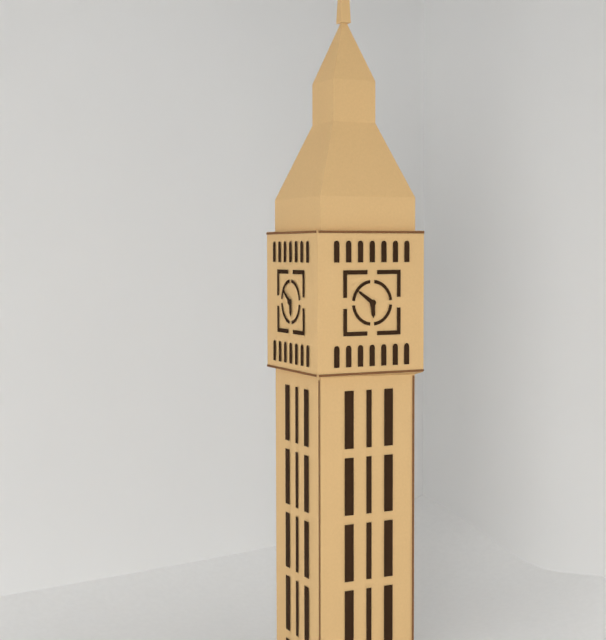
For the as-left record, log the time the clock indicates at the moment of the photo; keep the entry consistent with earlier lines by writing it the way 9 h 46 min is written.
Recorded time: 5 h 51 min
